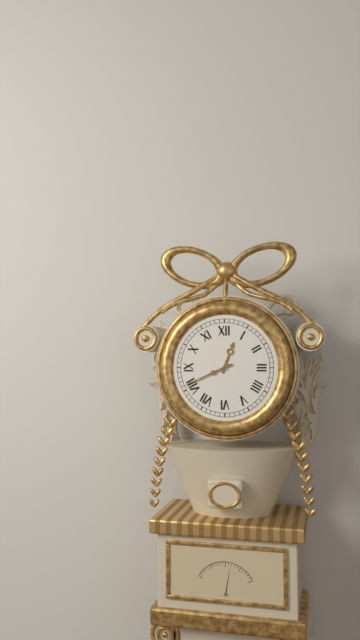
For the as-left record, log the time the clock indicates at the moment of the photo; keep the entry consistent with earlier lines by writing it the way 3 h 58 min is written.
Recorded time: 12 h 41 min
